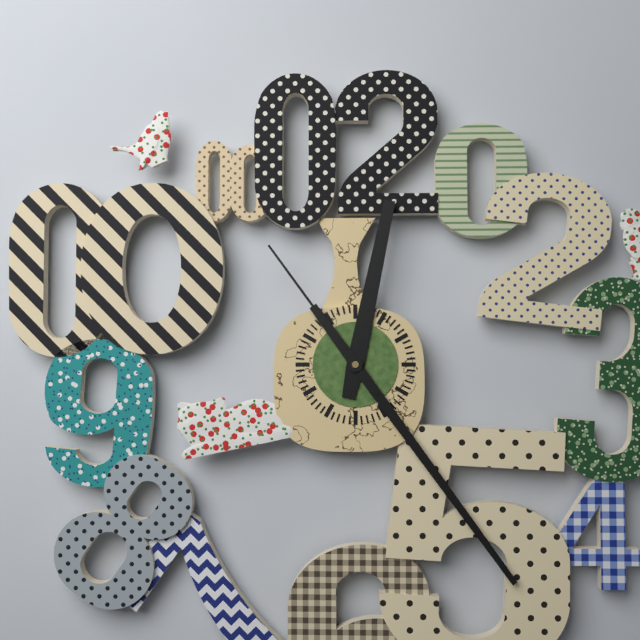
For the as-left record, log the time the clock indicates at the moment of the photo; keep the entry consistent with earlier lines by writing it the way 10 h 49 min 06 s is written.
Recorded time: 12 h 24 min 54 s
